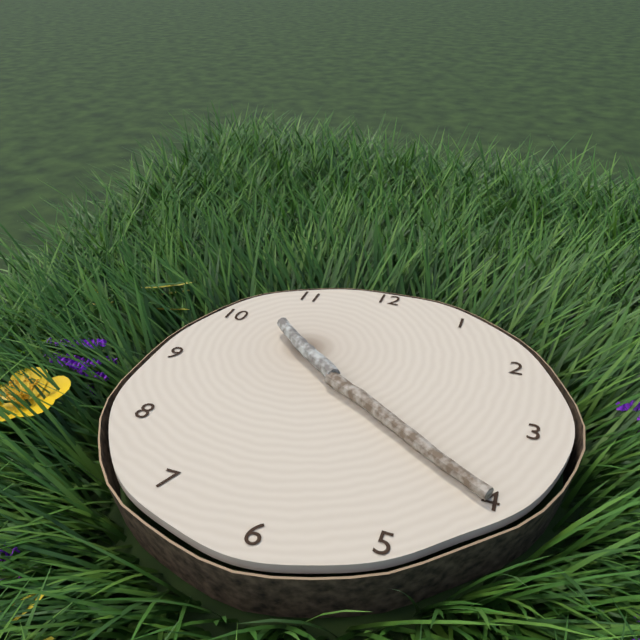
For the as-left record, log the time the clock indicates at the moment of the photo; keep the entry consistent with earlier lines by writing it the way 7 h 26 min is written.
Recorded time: 10 h 20 min
